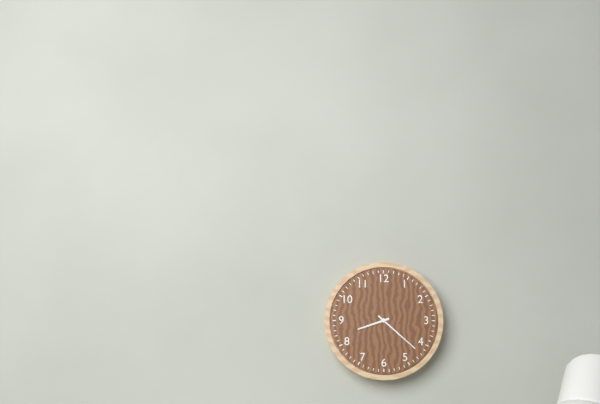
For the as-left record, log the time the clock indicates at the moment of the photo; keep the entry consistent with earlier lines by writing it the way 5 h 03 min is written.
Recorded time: 8 h 22 min
